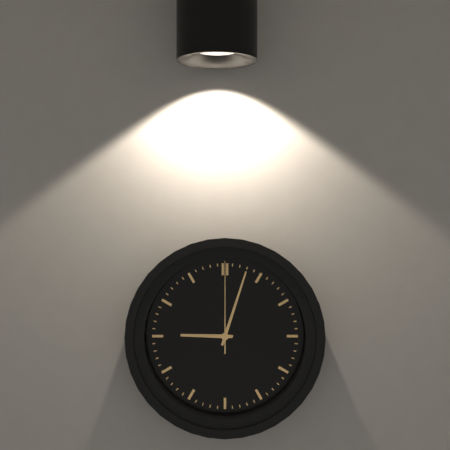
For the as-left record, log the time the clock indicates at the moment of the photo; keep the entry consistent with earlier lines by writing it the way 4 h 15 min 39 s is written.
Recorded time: 9 h 03 min 00 s
